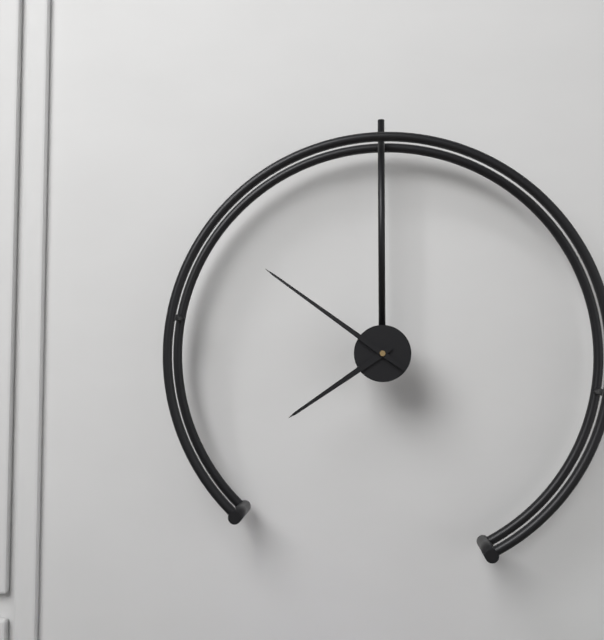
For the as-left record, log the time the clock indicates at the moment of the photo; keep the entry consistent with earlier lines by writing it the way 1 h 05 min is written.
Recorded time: 7 h 51 min
